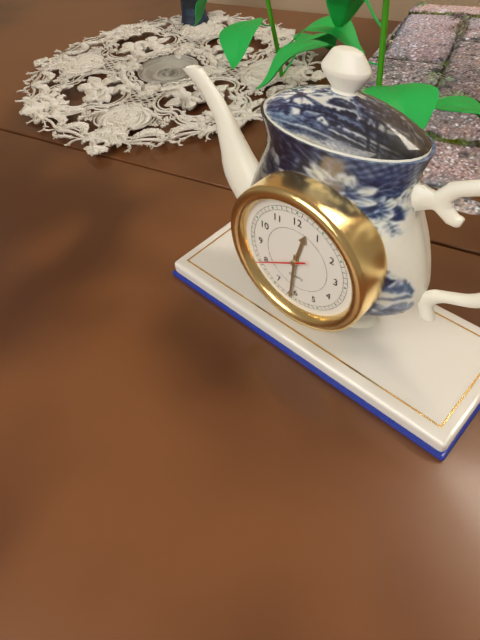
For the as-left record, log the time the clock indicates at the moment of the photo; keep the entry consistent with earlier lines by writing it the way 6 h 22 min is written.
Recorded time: 12 h 31 min
